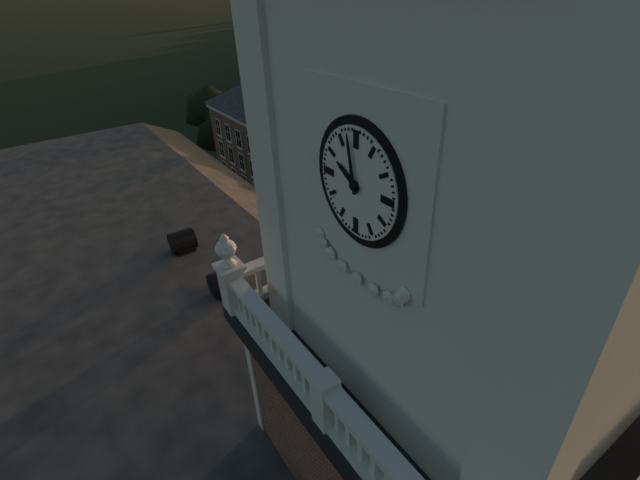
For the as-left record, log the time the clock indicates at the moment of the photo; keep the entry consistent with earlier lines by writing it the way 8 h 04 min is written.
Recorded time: 9 h 58 min
